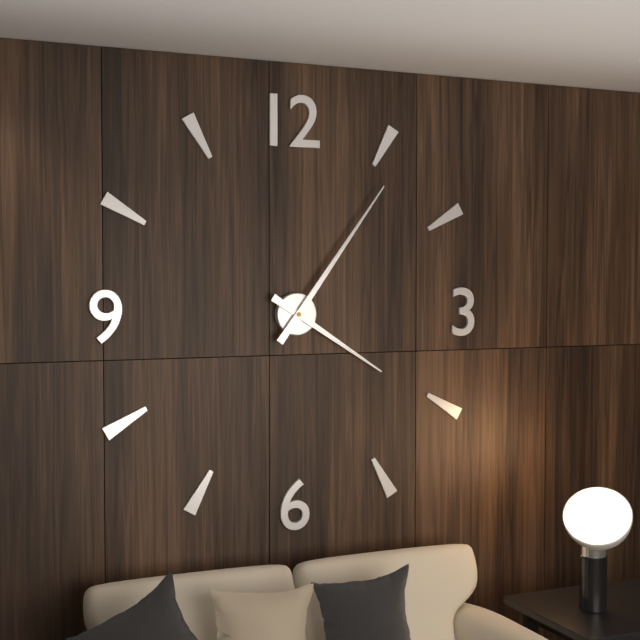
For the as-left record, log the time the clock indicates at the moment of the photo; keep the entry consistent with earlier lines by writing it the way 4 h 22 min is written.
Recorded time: 4 h 06 min
